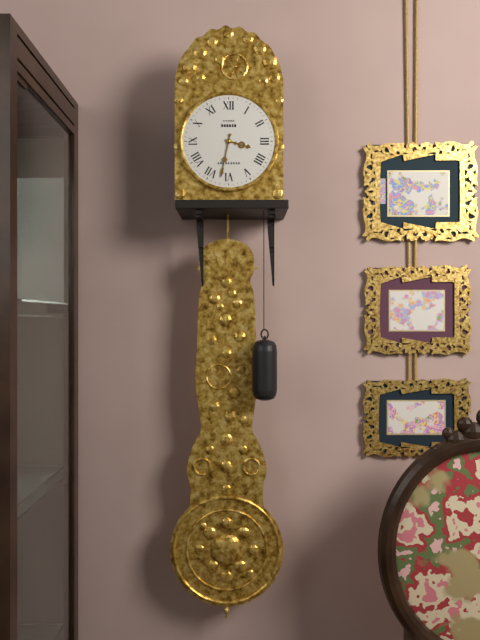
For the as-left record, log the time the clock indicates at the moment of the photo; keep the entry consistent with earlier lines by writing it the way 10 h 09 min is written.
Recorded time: 3 h 32 min
